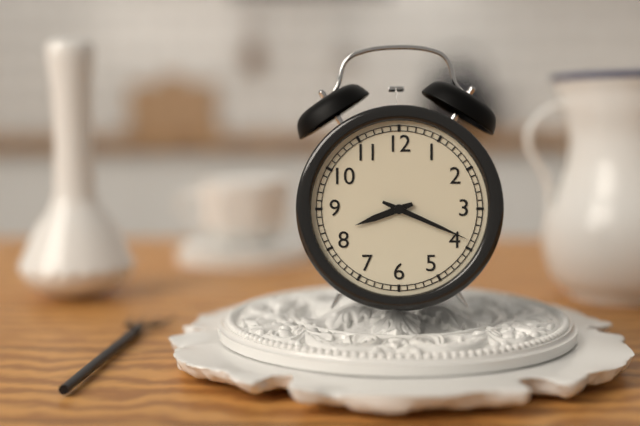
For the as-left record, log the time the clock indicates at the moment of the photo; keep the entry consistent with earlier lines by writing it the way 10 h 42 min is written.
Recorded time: 8 h 19 min
